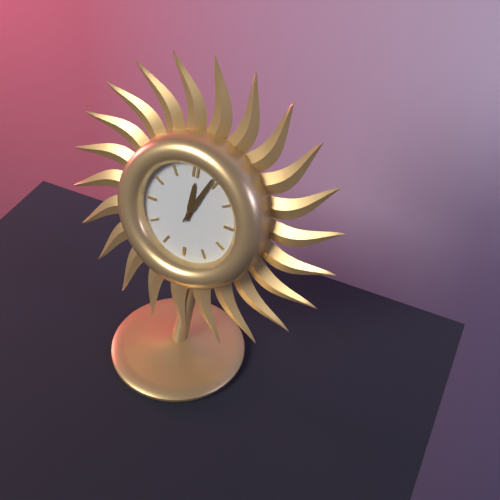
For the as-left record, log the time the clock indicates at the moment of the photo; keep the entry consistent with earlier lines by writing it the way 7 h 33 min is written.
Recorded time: 12 h 04 min
